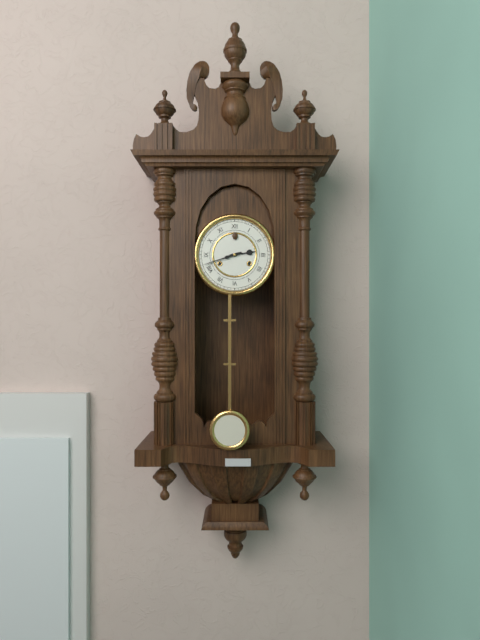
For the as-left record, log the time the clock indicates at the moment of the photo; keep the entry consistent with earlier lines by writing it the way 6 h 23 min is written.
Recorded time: 2 h 42 min
